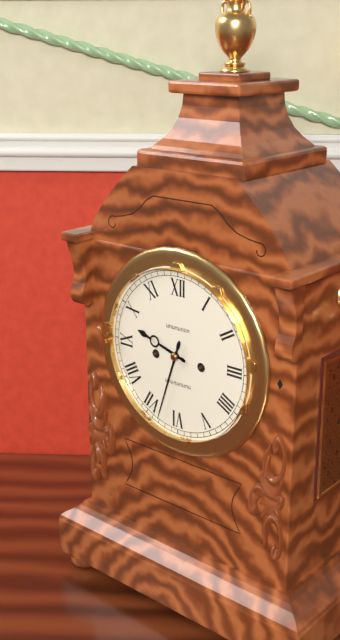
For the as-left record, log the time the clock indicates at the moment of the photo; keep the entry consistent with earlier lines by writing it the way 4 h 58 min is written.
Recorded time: 9 h 33 min
